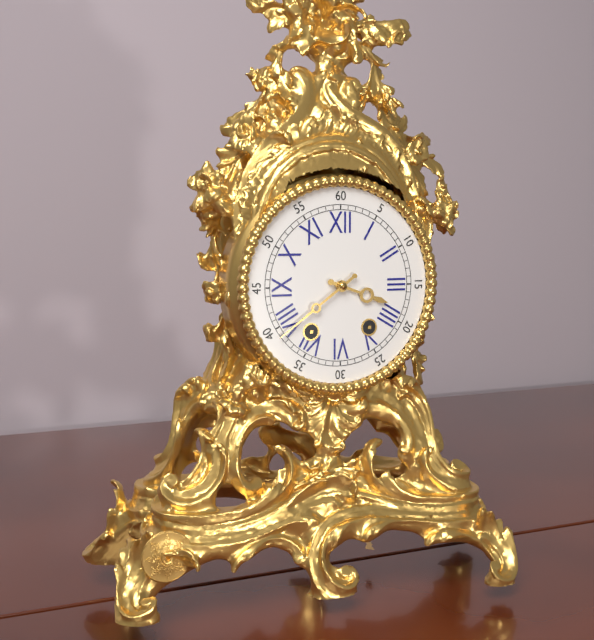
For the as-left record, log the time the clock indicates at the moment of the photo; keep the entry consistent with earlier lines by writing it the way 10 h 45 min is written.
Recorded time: 3 h 39 min
